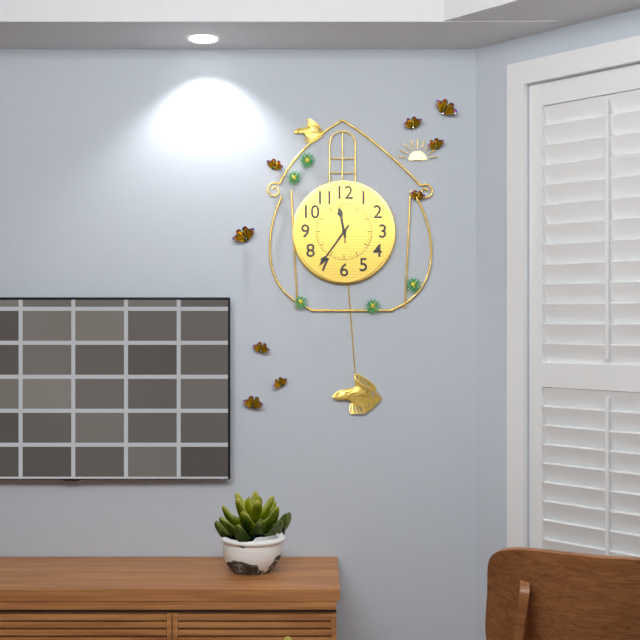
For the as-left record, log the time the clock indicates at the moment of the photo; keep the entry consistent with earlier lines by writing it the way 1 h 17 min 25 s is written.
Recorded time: 11 h 36 min 59 s
